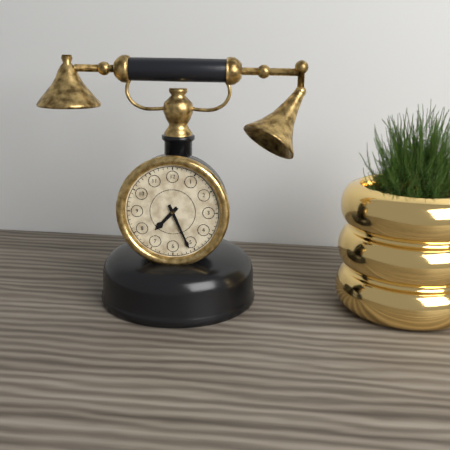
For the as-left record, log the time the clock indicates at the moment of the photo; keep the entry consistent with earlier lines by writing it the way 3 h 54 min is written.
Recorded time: 7 h 26 min
